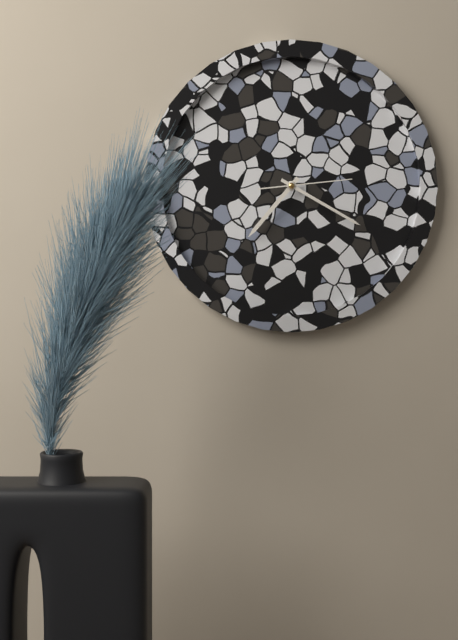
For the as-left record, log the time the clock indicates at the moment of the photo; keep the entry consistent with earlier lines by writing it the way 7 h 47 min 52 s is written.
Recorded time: 7 h 20 min 14 s
